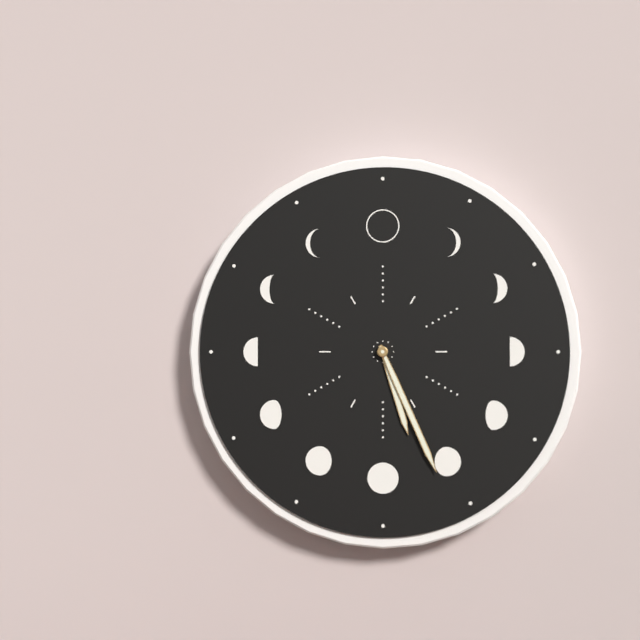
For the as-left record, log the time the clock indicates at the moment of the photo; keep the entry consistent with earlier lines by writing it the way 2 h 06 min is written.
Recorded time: 5 h 26 min
